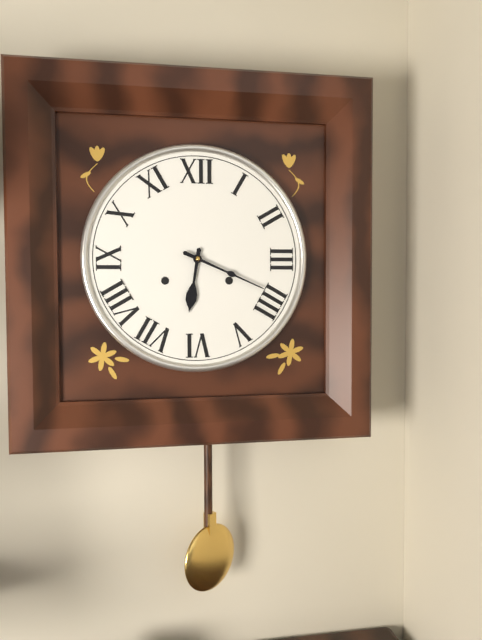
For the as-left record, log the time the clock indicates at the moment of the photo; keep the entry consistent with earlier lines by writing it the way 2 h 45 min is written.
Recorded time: 6 h 19 min
